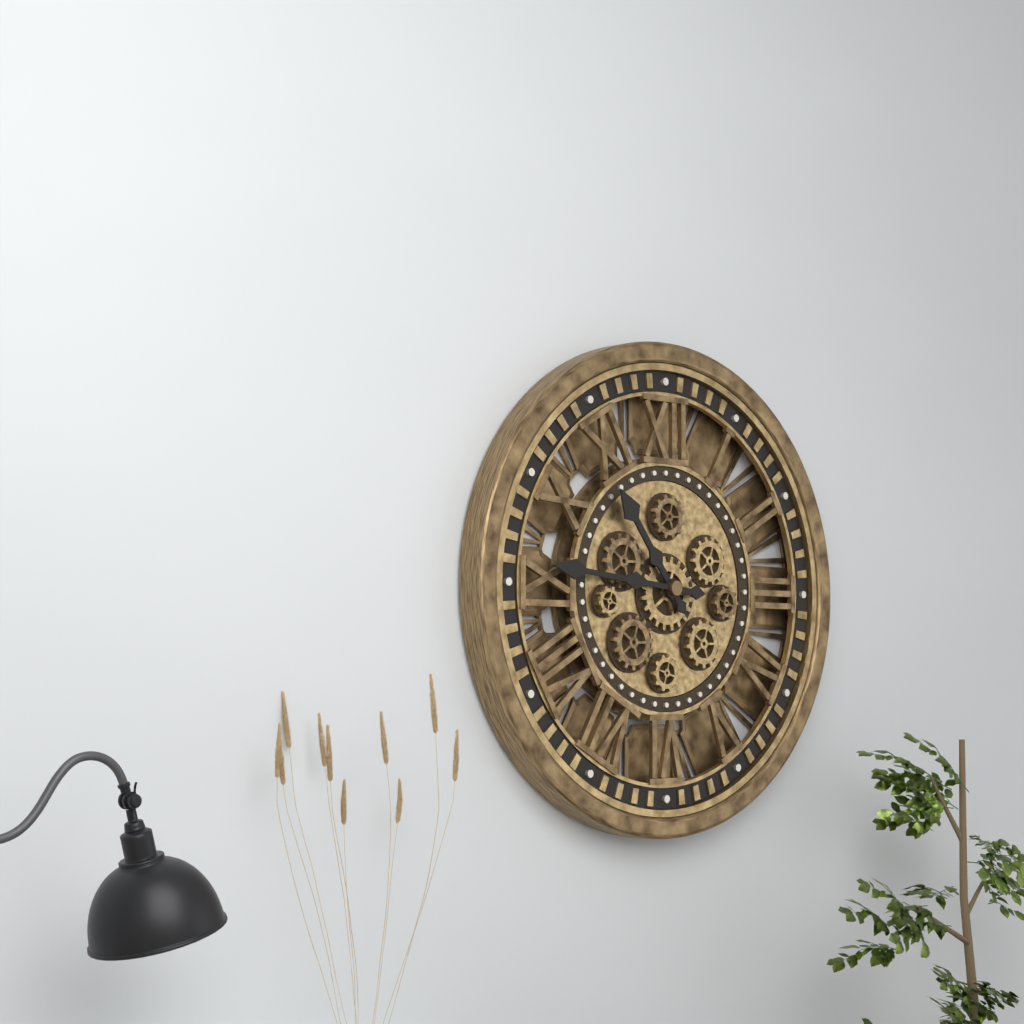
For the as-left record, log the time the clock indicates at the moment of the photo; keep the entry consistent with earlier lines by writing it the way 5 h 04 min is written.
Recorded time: 10 h 46 min
